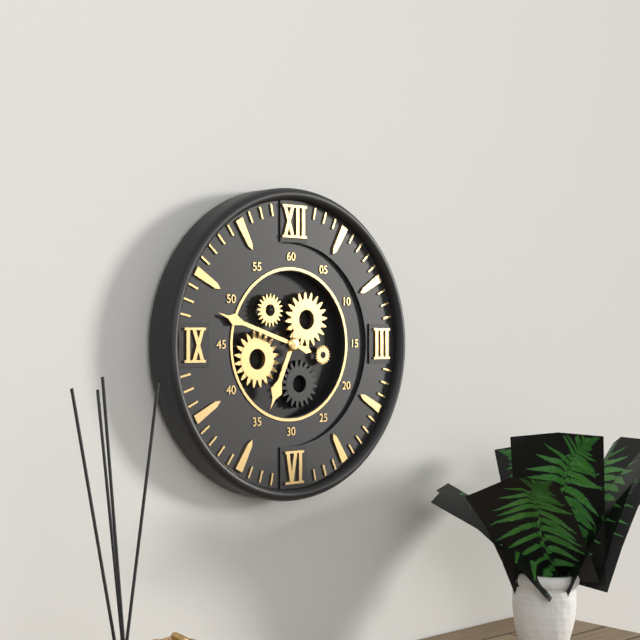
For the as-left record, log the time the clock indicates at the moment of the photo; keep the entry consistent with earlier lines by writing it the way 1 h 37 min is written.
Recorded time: 6 h 48 min
